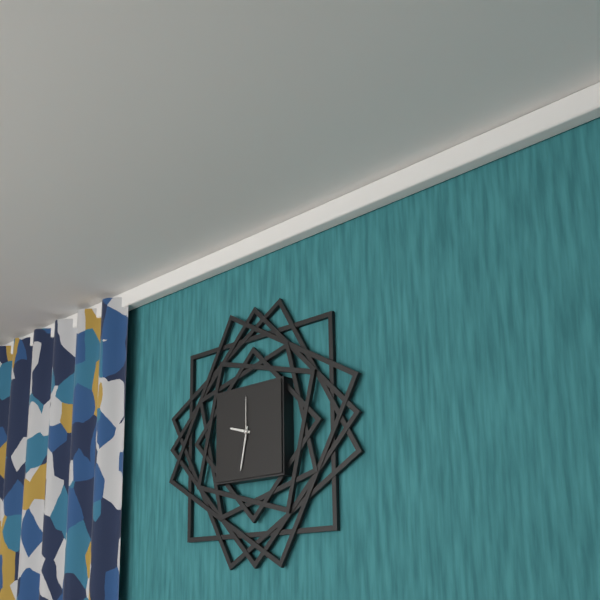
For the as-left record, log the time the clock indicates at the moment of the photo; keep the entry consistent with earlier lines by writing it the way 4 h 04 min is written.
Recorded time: 9 h 32 min
